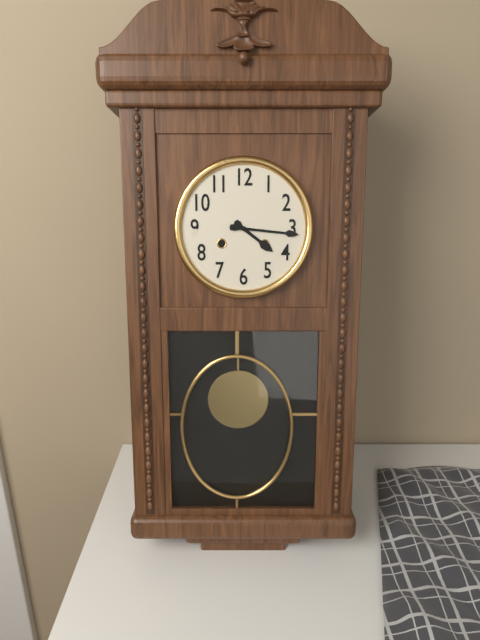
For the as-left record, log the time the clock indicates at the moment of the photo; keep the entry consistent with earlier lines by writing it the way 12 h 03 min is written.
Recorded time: 4 h 16 min
